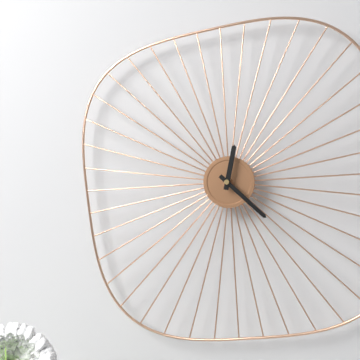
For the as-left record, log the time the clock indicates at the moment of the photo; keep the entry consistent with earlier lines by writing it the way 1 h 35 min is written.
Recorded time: 12 h 22 min
